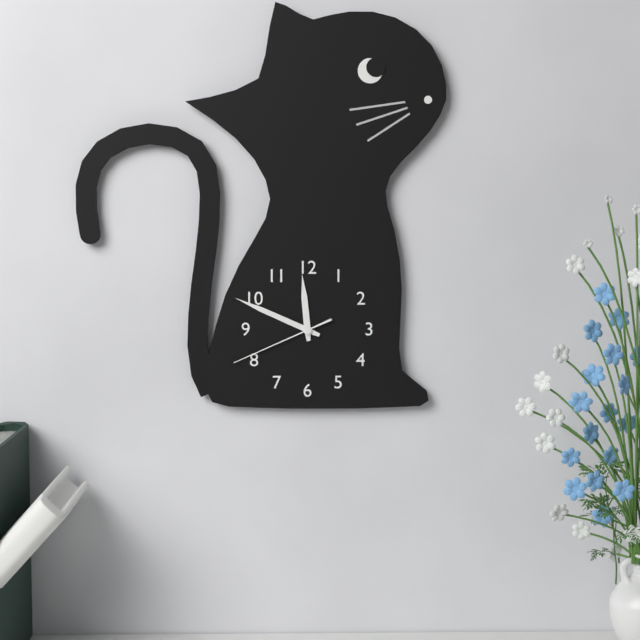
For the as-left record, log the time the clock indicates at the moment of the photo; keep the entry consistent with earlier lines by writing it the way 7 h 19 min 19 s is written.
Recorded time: 11 h 49 min 41 s
